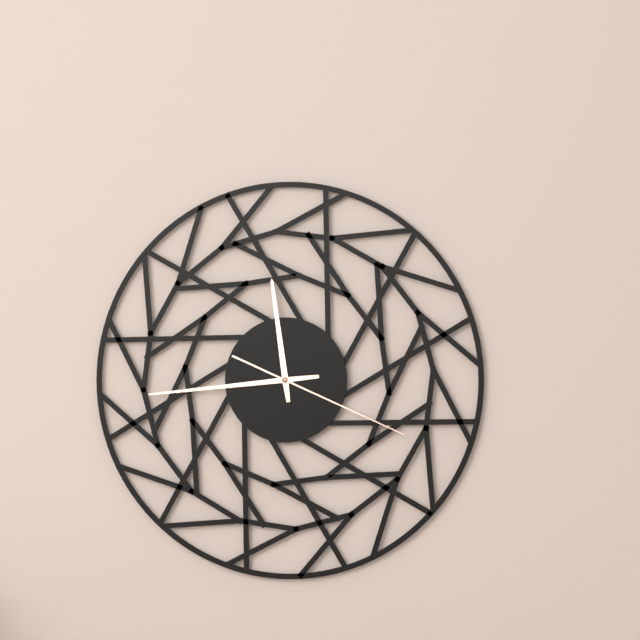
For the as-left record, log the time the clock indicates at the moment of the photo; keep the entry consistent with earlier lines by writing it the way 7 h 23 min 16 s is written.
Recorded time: 11 h 44 min 19 s
